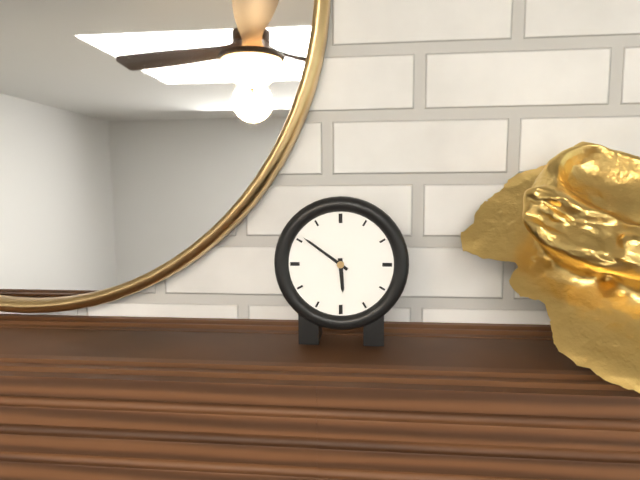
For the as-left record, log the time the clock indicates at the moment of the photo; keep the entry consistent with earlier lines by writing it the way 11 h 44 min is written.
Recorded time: 5 h 51 min
